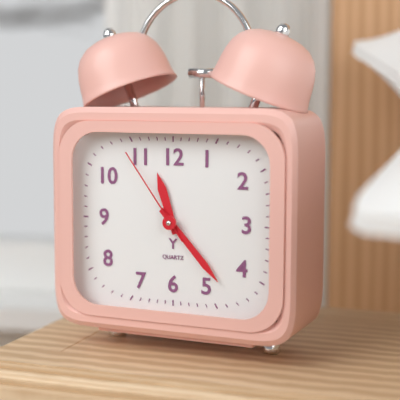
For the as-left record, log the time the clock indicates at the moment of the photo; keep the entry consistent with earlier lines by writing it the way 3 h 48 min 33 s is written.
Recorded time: 11 h 23 min 54 s
